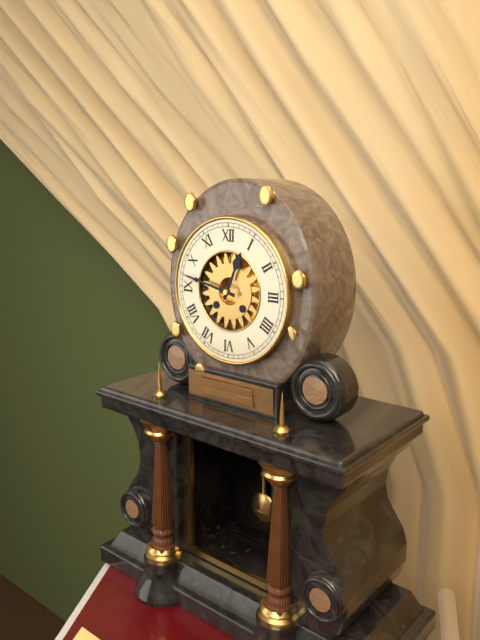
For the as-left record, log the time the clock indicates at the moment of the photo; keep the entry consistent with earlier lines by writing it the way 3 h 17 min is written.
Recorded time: 12 h 47 min
